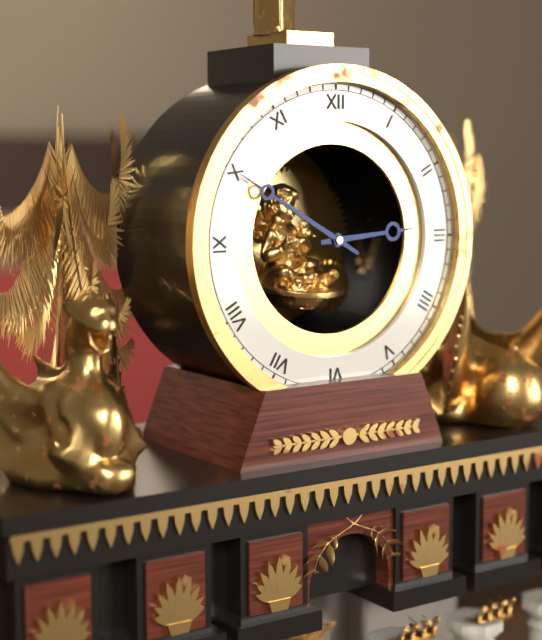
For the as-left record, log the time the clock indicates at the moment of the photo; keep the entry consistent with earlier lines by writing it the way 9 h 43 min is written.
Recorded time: 2 h 50 min
